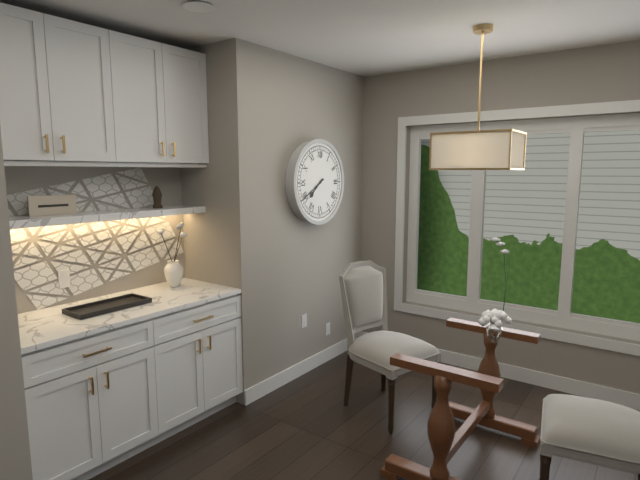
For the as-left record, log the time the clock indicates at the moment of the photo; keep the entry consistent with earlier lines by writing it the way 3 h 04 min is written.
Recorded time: 7 h 40 min
